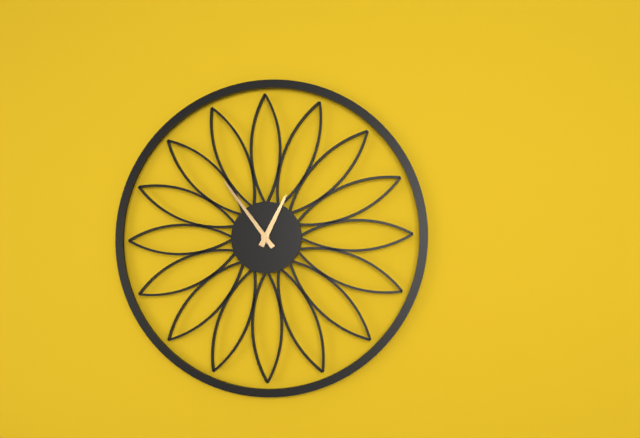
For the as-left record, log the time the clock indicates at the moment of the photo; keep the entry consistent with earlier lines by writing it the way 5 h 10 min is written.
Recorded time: 12 h 54 min
